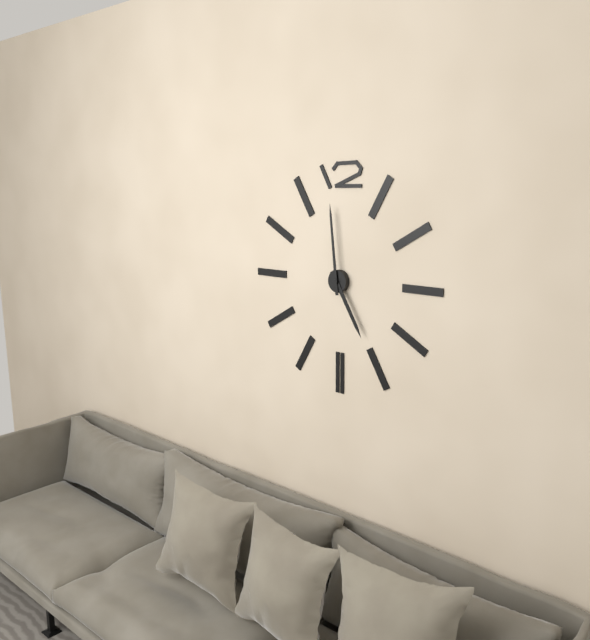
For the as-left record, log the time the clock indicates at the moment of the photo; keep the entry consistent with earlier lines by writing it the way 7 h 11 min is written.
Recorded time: 4 h 59 min
